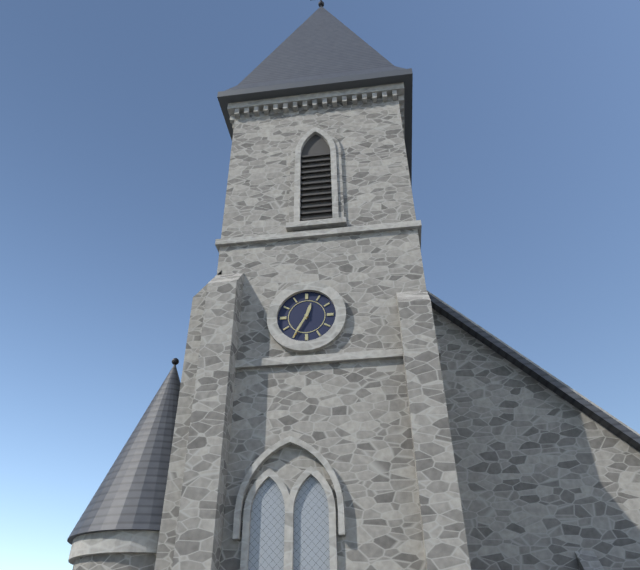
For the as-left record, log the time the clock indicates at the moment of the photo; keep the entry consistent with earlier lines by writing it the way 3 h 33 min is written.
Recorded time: 12 h 35 min
